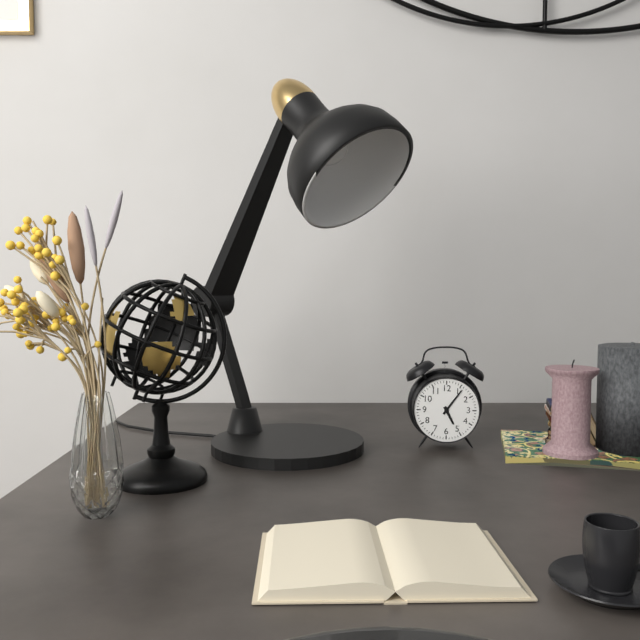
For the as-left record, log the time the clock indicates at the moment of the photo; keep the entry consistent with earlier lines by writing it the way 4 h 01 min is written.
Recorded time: 5 h 06 min
